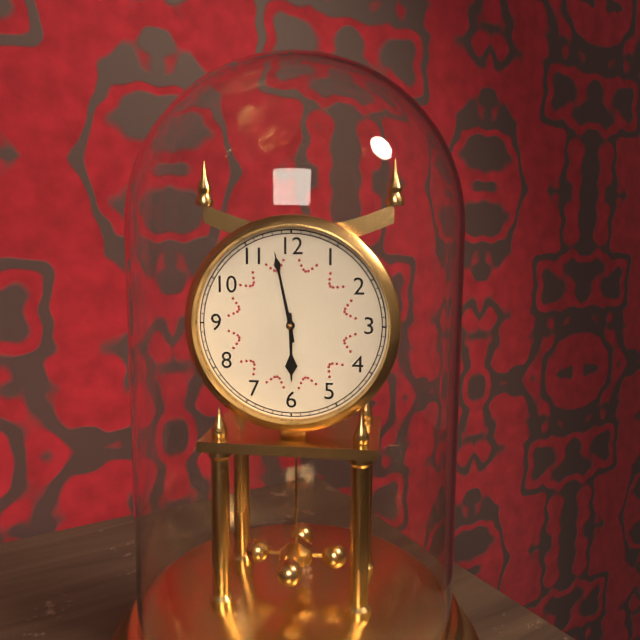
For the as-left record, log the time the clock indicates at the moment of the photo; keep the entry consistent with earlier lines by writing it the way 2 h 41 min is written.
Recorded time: 5 h 58 min
